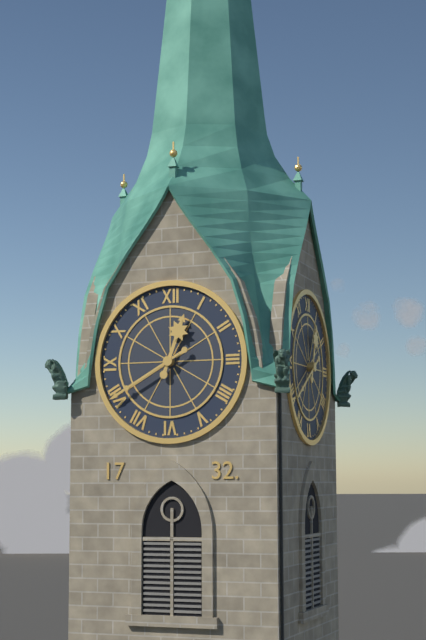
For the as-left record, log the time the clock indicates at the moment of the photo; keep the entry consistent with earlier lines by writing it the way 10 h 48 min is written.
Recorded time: 12 h 40 min
